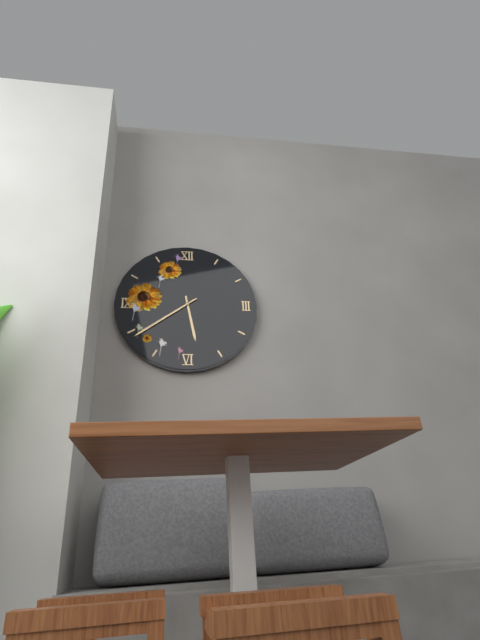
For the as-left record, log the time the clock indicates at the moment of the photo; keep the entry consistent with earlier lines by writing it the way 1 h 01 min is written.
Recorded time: 5 h 39 min
